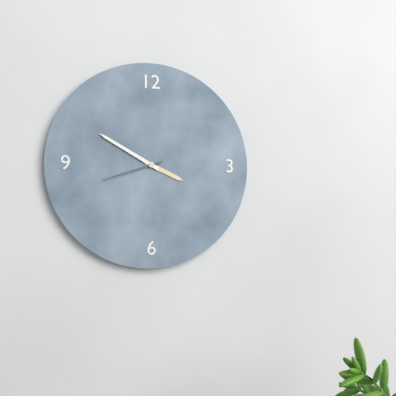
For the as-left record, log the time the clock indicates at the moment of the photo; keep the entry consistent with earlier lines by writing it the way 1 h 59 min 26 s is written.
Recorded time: 3 h 50 min 42 s
